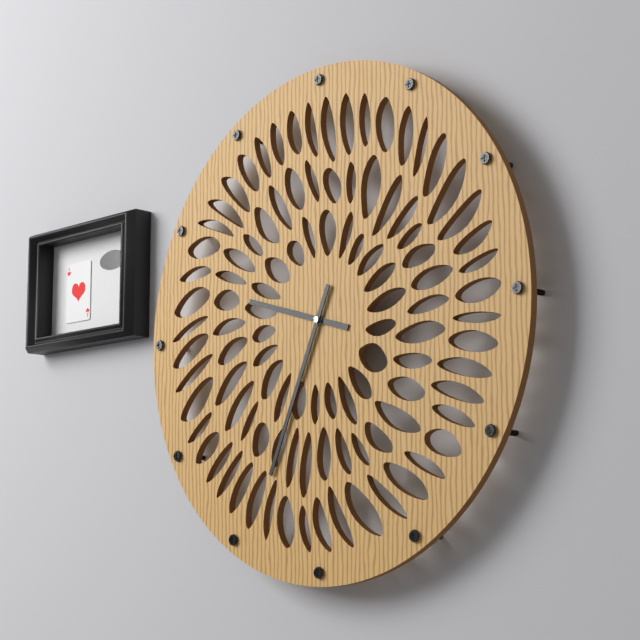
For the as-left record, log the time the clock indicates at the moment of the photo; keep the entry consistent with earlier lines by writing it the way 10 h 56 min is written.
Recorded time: 9 h 34 min
